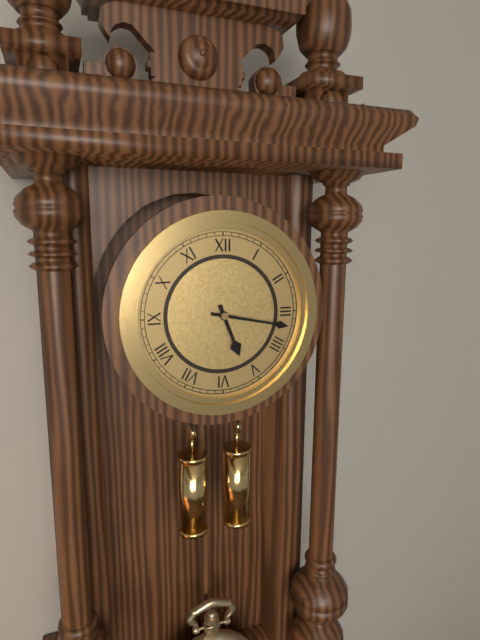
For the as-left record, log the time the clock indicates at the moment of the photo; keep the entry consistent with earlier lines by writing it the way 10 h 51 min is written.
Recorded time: 5 h 17 min
